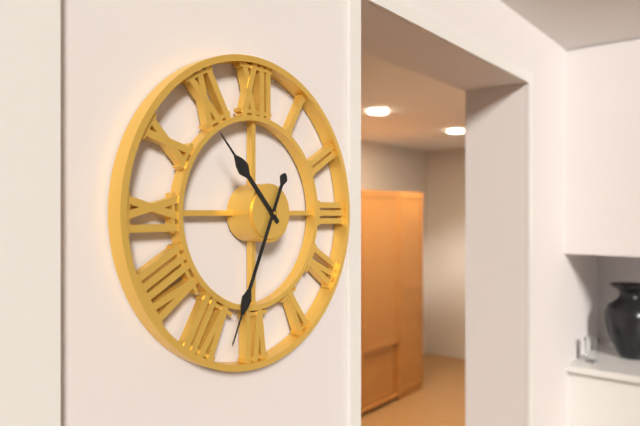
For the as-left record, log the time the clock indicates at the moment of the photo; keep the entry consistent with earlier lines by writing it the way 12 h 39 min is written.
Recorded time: 10 h 34 min
